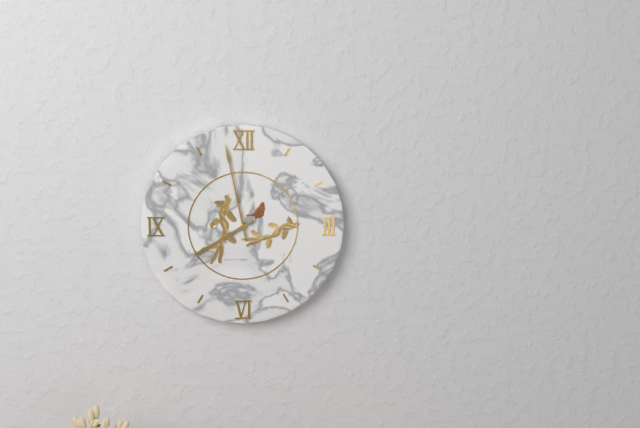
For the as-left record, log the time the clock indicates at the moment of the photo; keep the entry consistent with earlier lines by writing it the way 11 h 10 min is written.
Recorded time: 7 h 58 min
